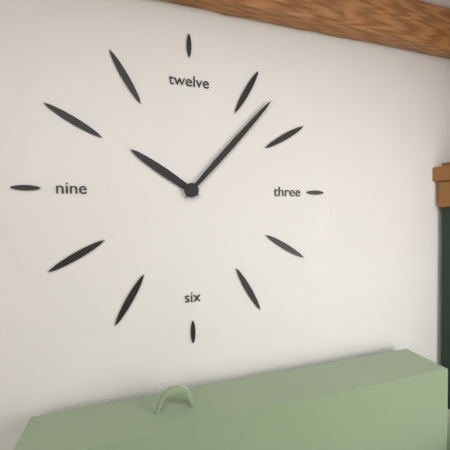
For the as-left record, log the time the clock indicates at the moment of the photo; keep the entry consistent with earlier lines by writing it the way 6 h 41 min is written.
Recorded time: 10 h 07 min
